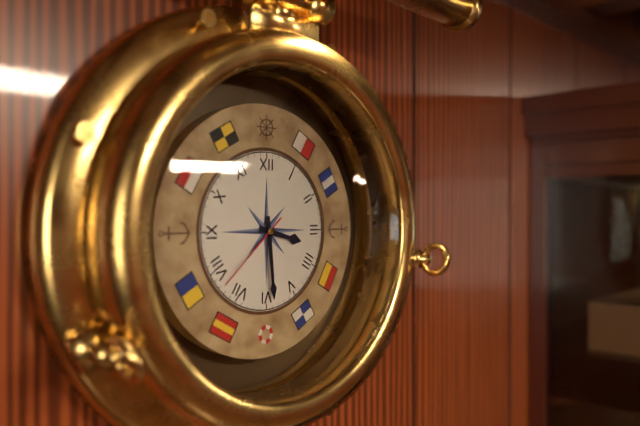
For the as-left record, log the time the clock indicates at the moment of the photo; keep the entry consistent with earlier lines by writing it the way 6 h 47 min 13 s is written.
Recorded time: 3 h 29 min 38 s
